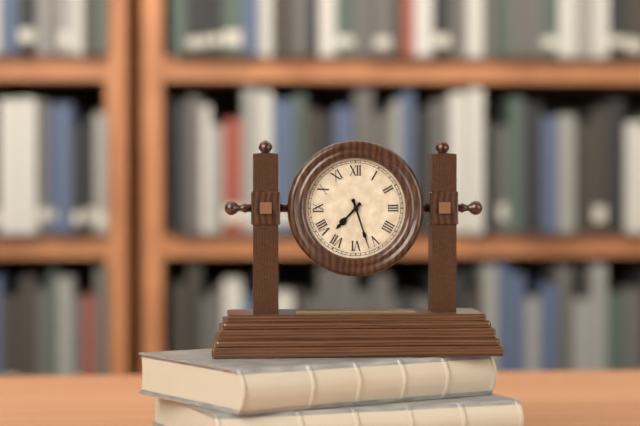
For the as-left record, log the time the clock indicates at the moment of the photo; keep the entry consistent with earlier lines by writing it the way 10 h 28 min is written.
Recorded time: 7 h 27 min
